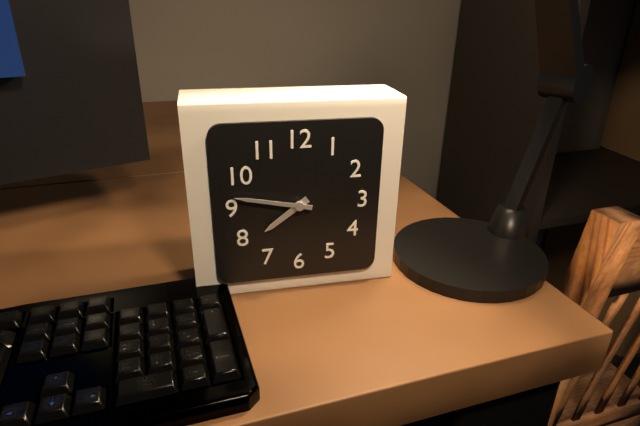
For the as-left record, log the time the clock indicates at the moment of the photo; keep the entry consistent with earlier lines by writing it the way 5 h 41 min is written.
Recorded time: 7 h 47 min
